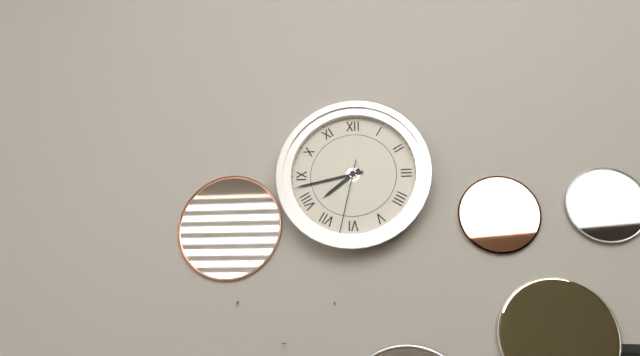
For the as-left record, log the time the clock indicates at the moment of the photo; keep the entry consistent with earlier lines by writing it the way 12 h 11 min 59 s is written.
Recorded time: 7 h 43 min 32 s
